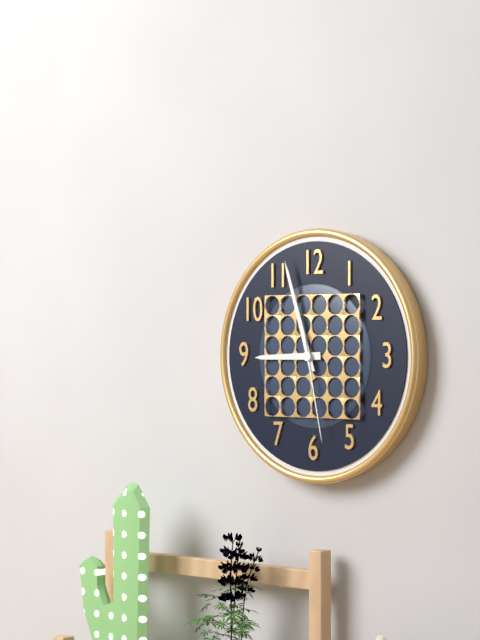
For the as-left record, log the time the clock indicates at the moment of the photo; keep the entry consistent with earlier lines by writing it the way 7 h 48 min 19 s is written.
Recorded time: 8 h 57 min 28 s
